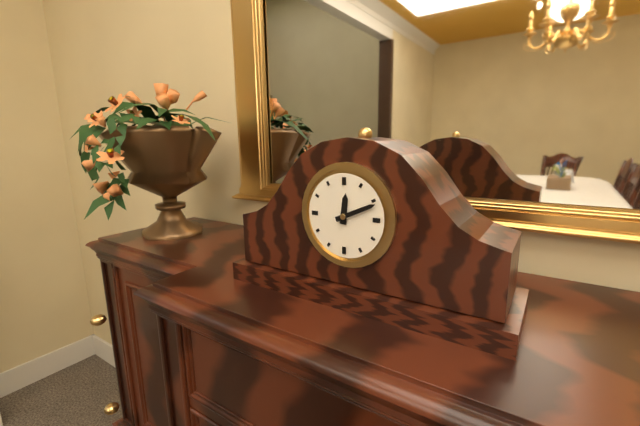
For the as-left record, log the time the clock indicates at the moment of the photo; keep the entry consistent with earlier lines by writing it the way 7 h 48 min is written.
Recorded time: 12 h 11 min
